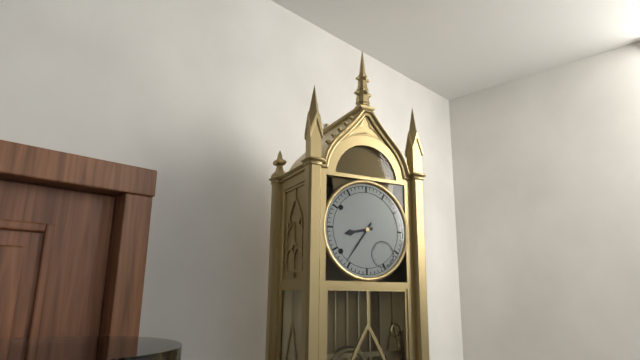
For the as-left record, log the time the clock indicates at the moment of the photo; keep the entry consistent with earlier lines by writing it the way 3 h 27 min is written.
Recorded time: 8 h 36 min
